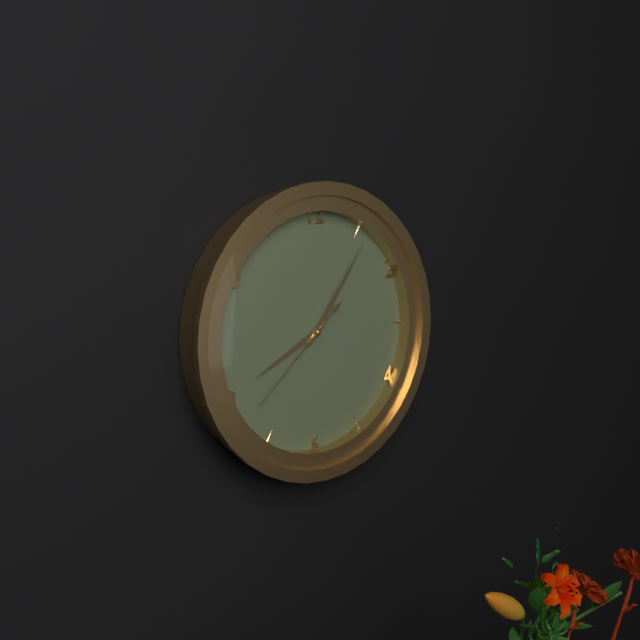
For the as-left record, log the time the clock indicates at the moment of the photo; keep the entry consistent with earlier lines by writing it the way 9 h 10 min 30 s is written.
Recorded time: 8 h 06 min 38 s
